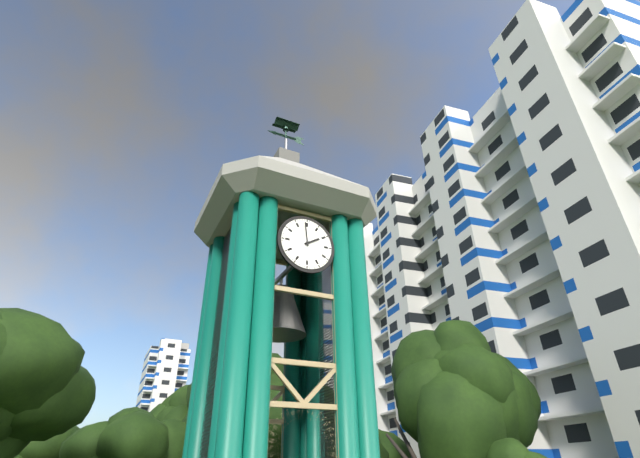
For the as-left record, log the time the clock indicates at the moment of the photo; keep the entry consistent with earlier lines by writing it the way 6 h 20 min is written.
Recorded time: 1 h 59 min
